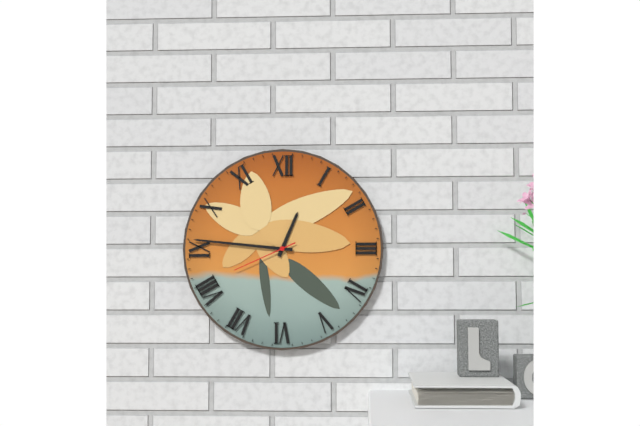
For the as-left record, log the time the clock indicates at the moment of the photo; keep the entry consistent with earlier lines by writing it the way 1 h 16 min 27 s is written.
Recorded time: 12 h 46 min 41 s
